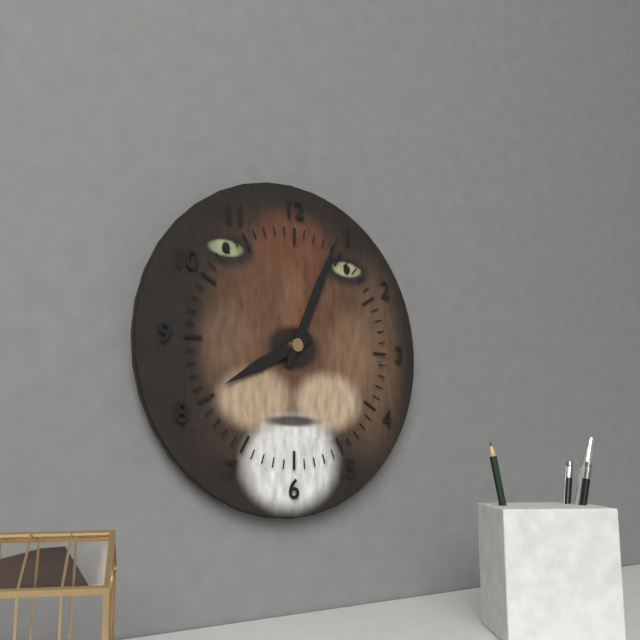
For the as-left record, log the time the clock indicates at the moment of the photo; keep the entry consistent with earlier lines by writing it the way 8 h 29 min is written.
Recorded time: 8 h 04 min
